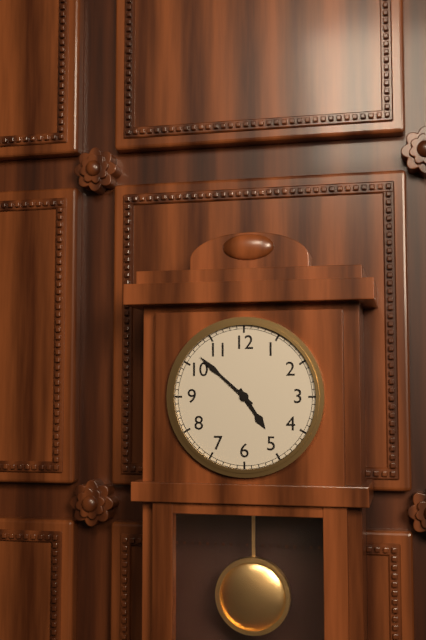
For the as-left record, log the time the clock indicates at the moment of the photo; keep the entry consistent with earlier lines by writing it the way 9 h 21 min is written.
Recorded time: 4 h 52 min
